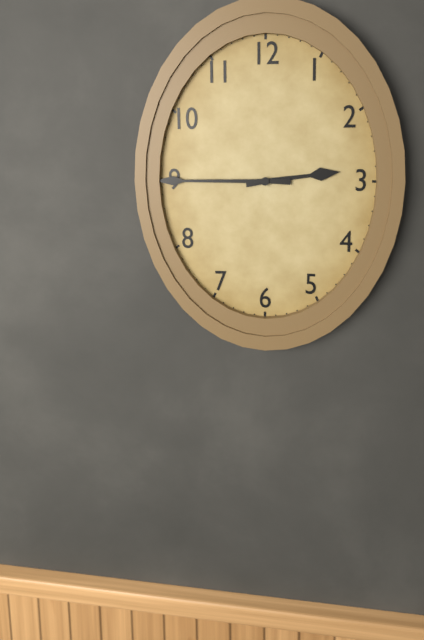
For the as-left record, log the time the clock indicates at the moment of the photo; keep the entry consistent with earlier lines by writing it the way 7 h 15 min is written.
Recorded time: 2 h 45 min
